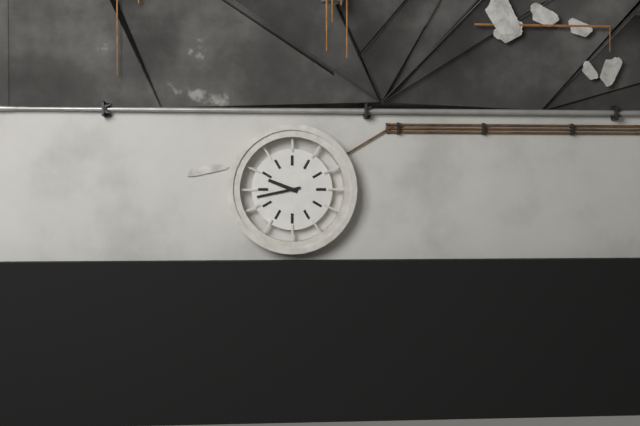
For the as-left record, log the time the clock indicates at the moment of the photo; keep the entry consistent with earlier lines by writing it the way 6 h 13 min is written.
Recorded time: 9 h 43 min
